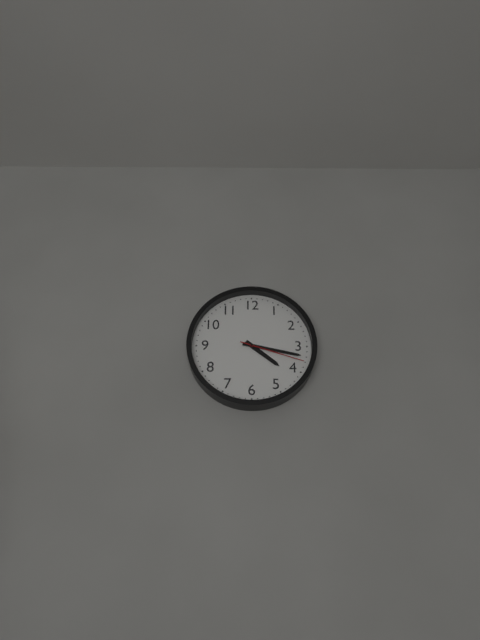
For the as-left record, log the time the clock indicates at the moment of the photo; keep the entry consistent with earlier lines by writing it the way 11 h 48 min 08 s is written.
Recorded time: 4 h 17 min 18 s
